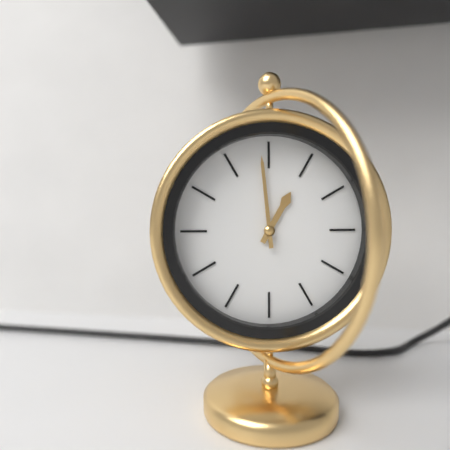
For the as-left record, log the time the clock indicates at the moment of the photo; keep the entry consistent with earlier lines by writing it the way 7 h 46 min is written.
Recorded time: 12 h 59 min
